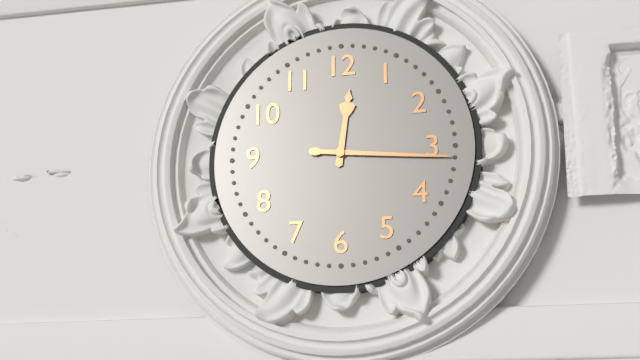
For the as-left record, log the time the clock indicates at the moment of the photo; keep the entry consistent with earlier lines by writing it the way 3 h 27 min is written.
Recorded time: 12 h 16 min
